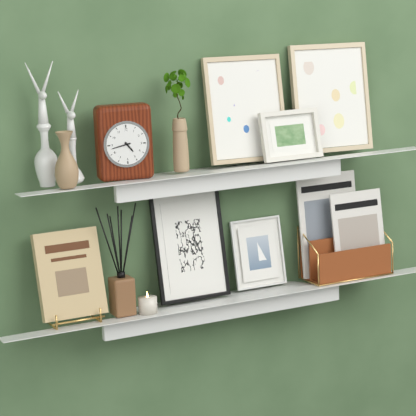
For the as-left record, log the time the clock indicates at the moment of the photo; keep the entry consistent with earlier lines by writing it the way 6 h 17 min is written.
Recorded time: 4 h 43 min
